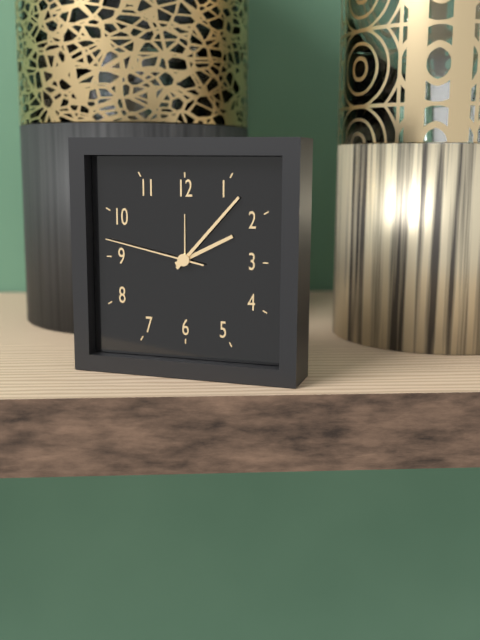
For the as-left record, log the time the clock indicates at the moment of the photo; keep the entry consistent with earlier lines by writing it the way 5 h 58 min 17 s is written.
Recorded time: 2 h 07 min 47 s
